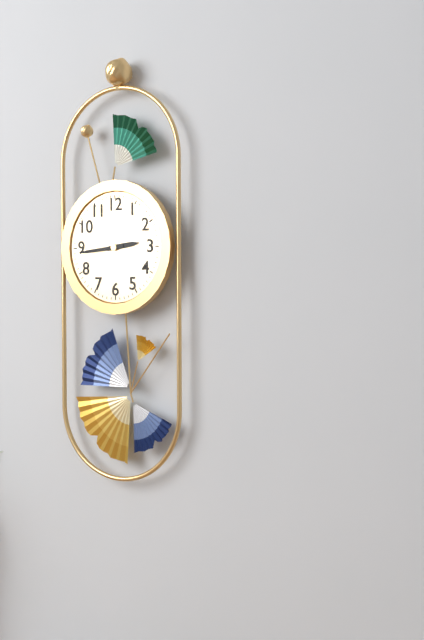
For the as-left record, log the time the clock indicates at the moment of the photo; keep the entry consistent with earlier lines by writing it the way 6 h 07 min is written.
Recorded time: 2 h 44 min
